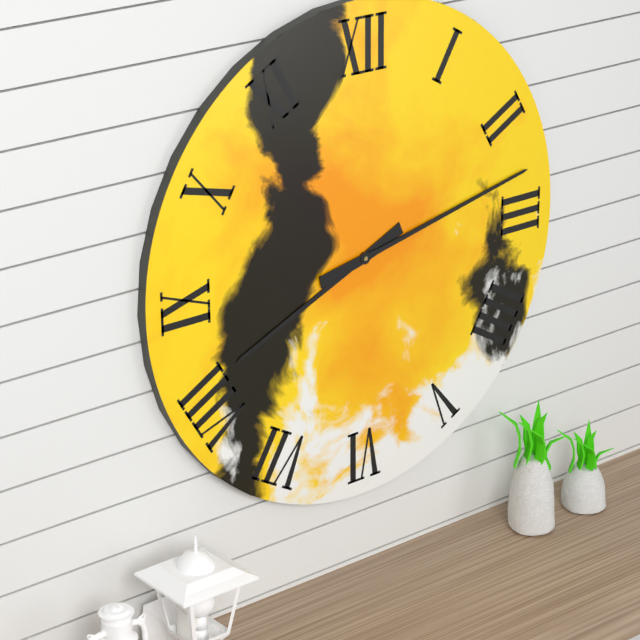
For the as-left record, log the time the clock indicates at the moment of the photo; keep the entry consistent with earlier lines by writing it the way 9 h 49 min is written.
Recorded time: 8 h 13 min
